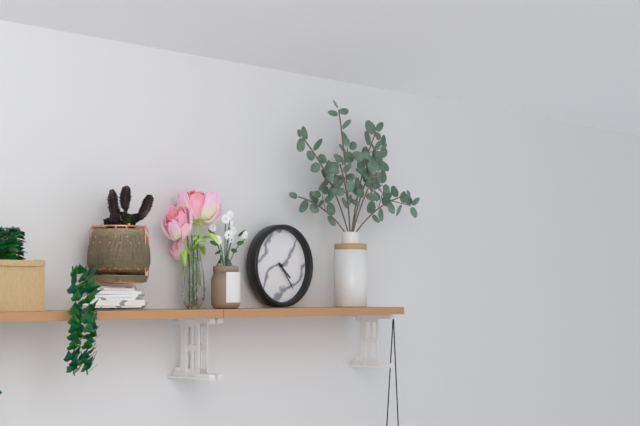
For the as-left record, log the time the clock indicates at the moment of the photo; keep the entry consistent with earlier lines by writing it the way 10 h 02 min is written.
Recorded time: 4 h 24 min
